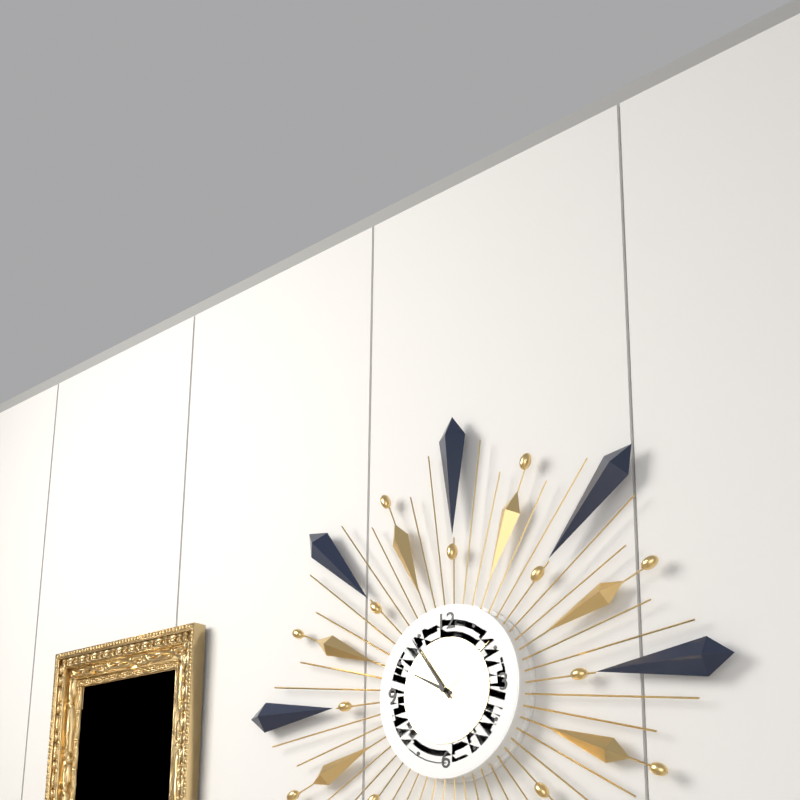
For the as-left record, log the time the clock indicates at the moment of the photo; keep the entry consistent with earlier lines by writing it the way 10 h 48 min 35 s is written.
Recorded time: 9 h 54 min 09 s
